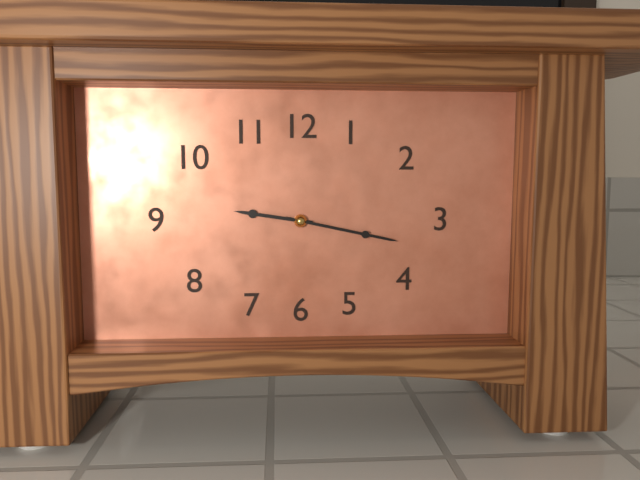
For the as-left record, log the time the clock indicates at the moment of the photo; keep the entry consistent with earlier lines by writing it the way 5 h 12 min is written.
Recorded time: 9 h 17 min
